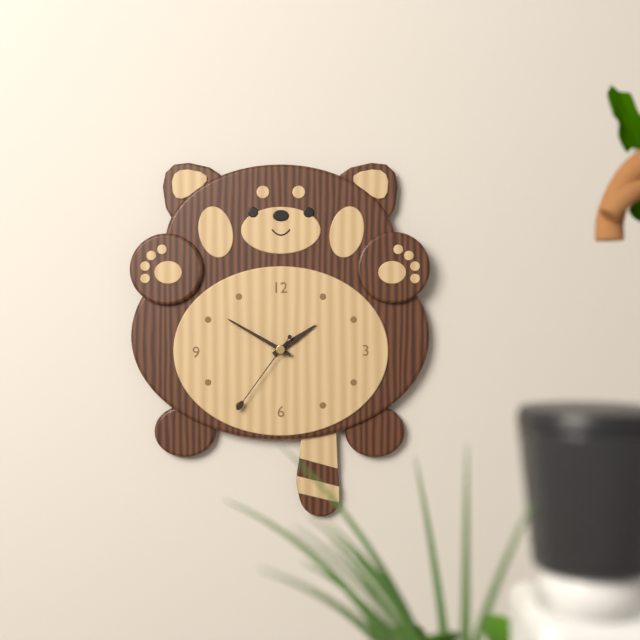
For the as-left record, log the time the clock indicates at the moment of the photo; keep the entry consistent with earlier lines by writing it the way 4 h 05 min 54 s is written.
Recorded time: 1 h 50 min 36 s
